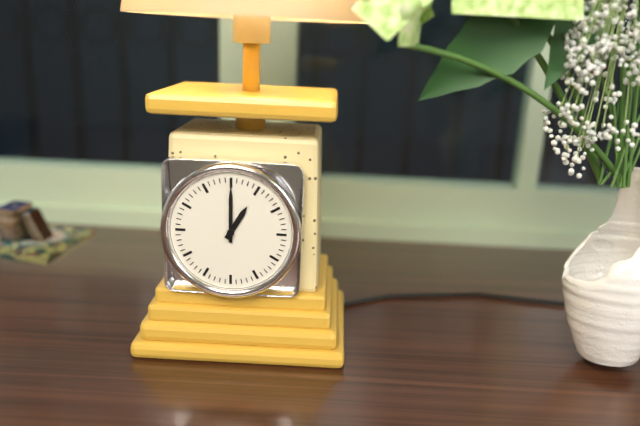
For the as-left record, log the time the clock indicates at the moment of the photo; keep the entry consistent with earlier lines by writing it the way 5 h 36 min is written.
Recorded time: 1 h 00 min
